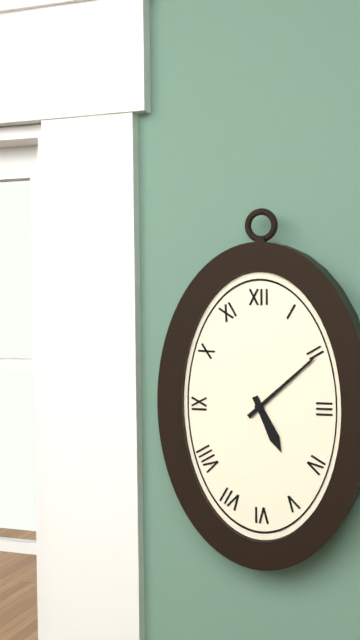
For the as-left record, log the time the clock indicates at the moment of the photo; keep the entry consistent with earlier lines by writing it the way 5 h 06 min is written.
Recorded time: 5 h 08 min
